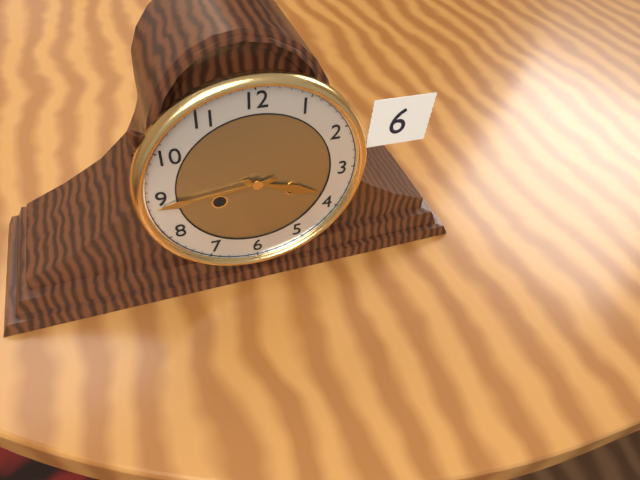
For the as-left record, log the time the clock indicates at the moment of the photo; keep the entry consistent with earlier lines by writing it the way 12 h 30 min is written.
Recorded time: 3 h 44 min
